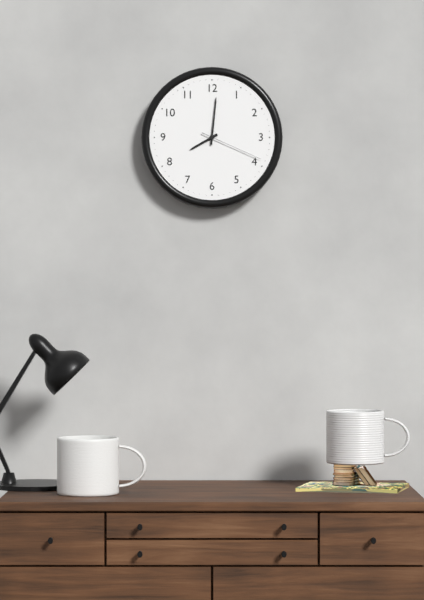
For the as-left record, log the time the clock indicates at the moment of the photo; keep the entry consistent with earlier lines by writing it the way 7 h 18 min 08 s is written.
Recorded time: 8 h 01 min 19 s
